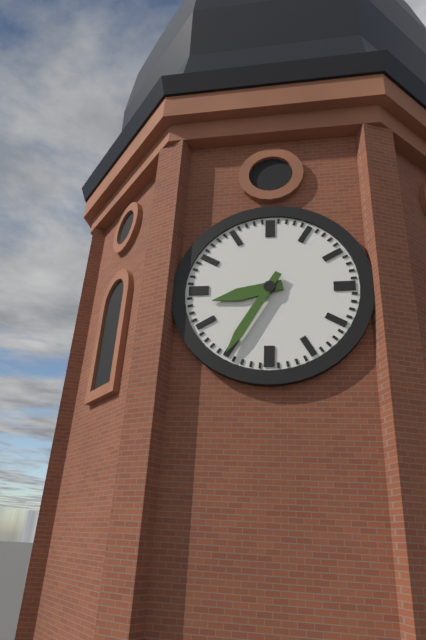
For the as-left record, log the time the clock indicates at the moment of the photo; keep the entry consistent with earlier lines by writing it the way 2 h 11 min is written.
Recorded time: 8 h 35 min
